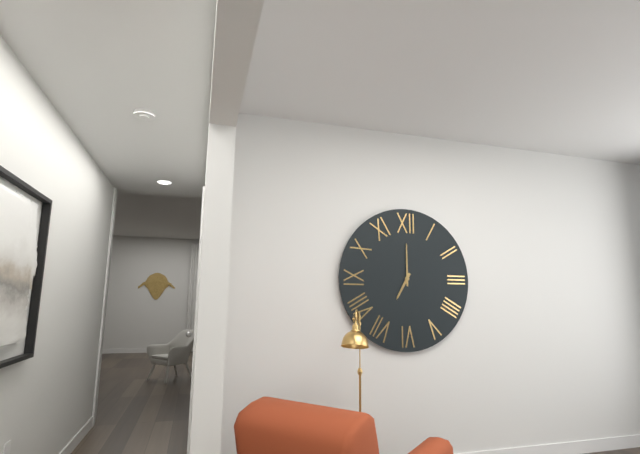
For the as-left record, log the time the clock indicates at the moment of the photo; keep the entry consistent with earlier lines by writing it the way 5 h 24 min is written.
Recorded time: 7 h 00 min
